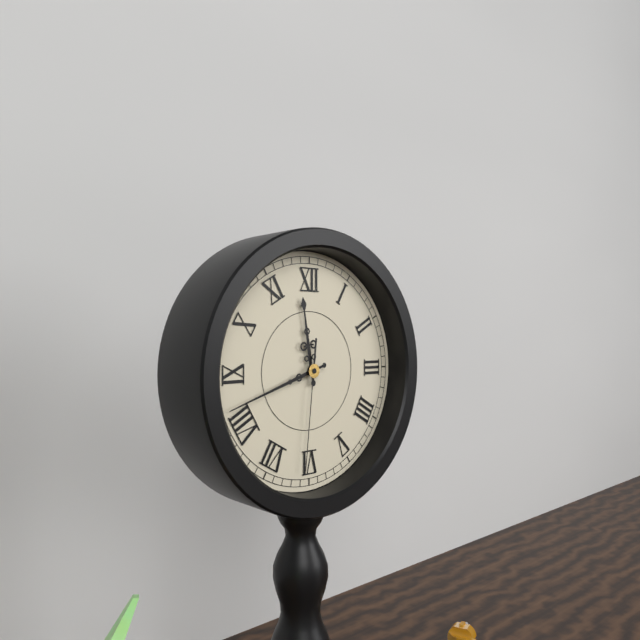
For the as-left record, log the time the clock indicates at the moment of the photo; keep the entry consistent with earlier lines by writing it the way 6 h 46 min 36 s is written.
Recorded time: 11 h 42 min 31 s
